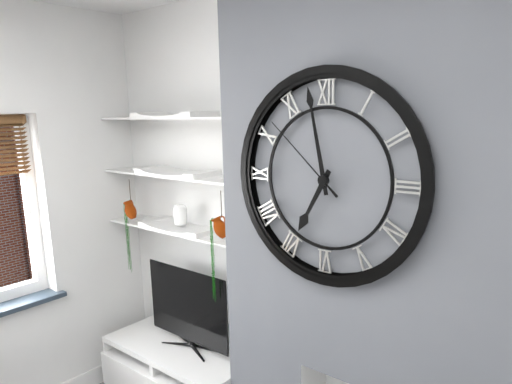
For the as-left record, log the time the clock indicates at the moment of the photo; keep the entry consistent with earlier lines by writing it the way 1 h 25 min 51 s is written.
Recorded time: 6 h 58 min 52 s
